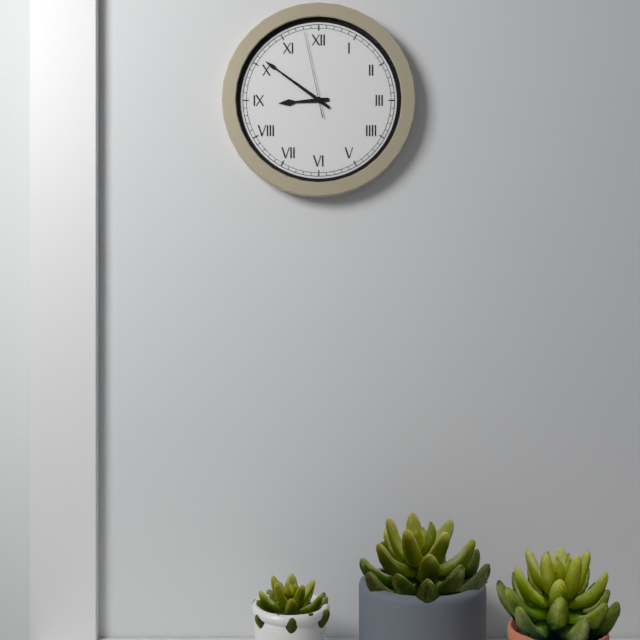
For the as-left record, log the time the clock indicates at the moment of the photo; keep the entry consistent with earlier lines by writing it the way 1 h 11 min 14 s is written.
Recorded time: 8 h 51 min 58 s
